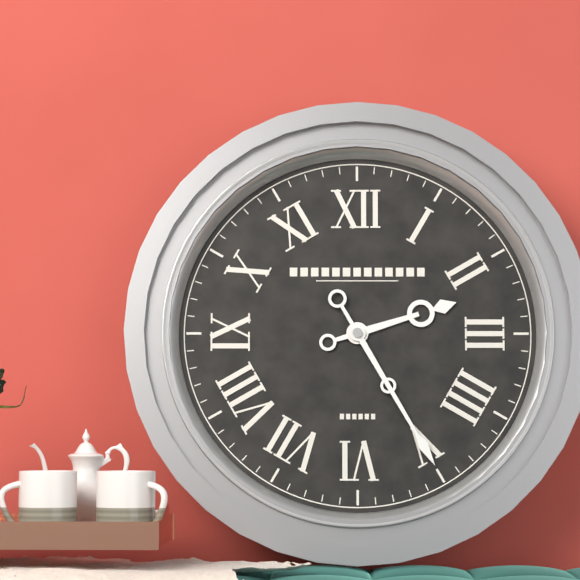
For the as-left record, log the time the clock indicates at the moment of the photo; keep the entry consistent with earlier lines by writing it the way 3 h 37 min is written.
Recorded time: 2 h 25 min
